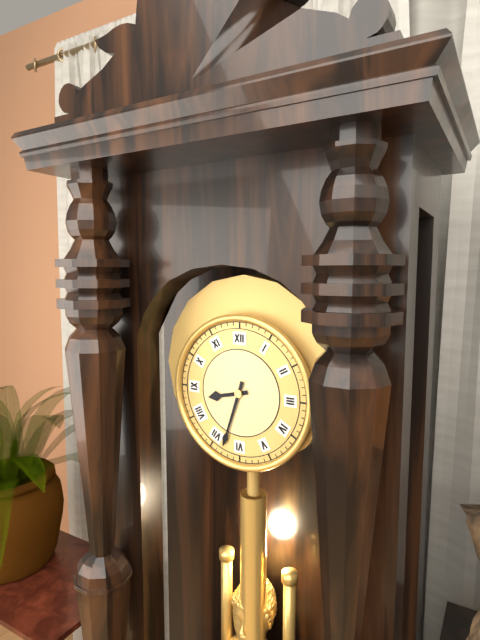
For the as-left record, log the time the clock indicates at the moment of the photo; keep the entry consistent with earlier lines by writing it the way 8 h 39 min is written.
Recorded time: 8 h 33 min
